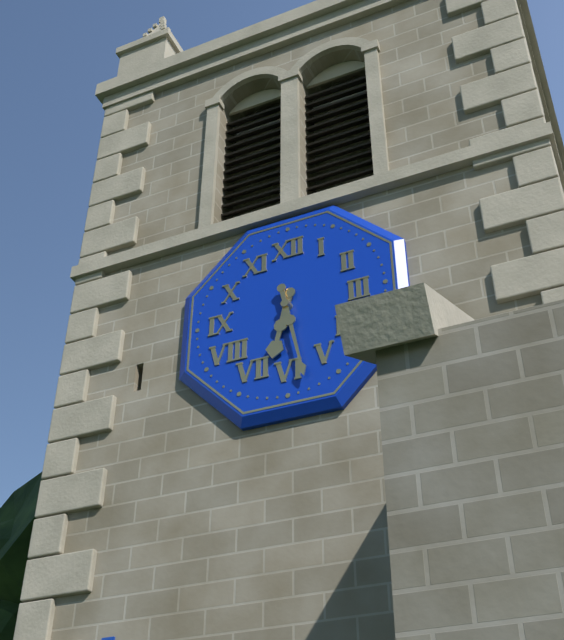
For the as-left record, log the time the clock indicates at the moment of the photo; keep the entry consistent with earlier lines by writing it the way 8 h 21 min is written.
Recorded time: 6 h 28 min
